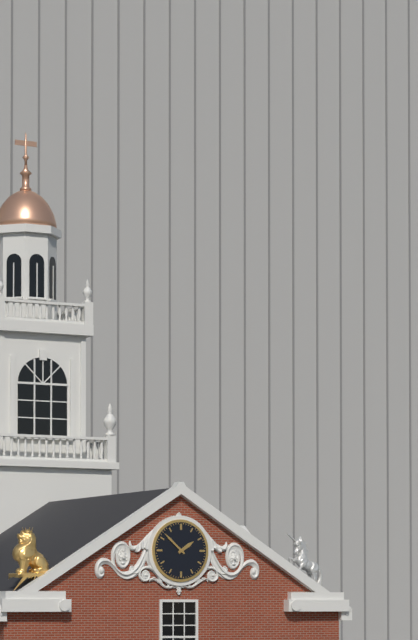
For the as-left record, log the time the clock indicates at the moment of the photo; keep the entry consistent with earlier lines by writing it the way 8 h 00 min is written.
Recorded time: 1 h 52 min
